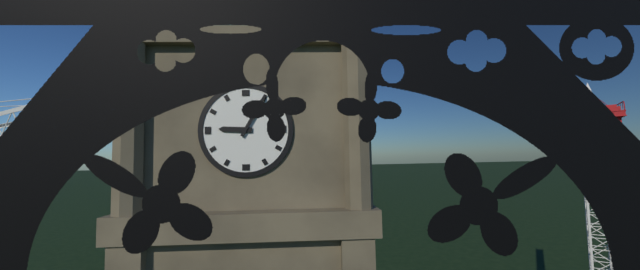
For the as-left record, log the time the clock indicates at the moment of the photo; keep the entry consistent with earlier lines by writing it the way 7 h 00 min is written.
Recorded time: 9 h 05 min
